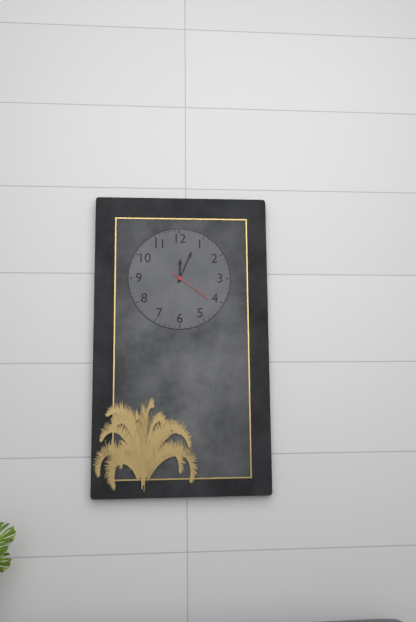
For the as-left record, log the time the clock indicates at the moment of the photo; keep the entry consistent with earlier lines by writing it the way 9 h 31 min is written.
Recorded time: 12 h 04 min
